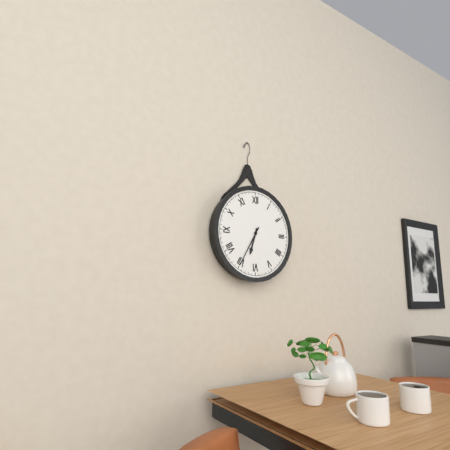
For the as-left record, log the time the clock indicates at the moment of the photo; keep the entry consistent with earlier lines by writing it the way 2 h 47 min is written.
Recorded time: 6 h 35 min
